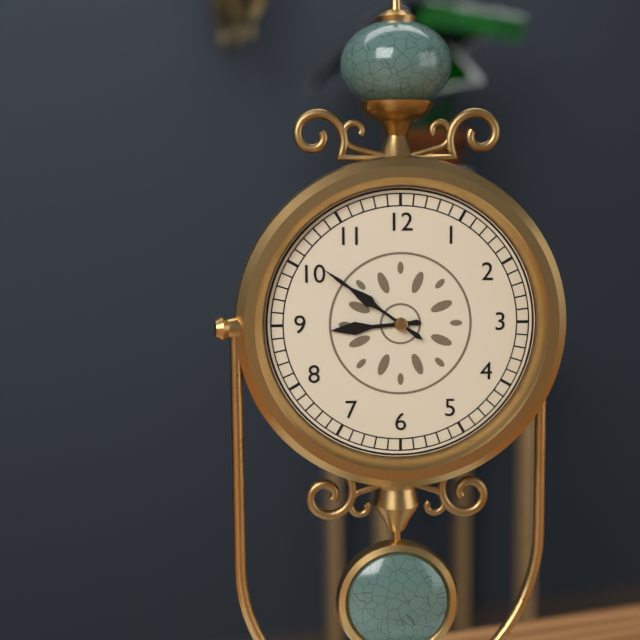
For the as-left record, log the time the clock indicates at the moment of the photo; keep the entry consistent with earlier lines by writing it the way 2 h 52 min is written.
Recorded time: 8 h 51 min
